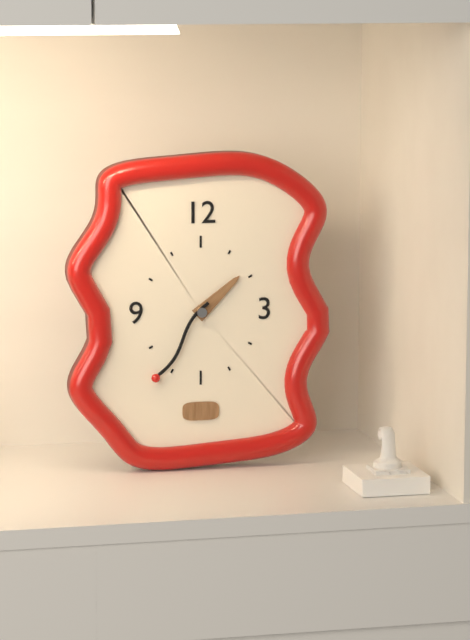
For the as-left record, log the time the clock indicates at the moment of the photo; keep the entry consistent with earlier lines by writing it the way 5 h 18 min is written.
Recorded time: 1 h 36 min
